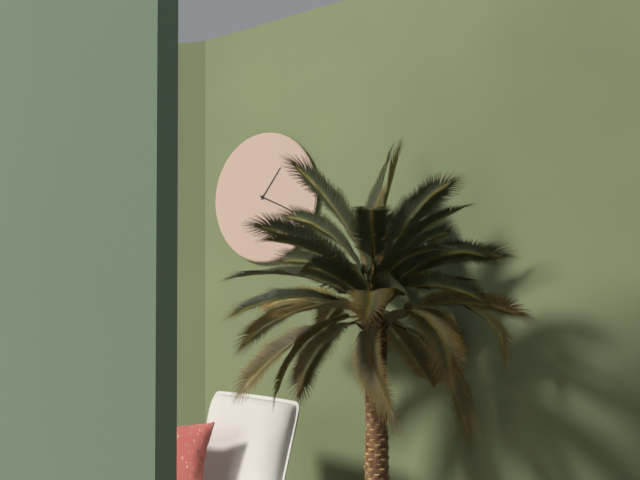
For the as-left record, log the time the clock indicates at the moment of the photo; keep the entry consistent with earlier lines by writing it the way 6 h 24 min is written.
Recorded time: 1 h 19 min
